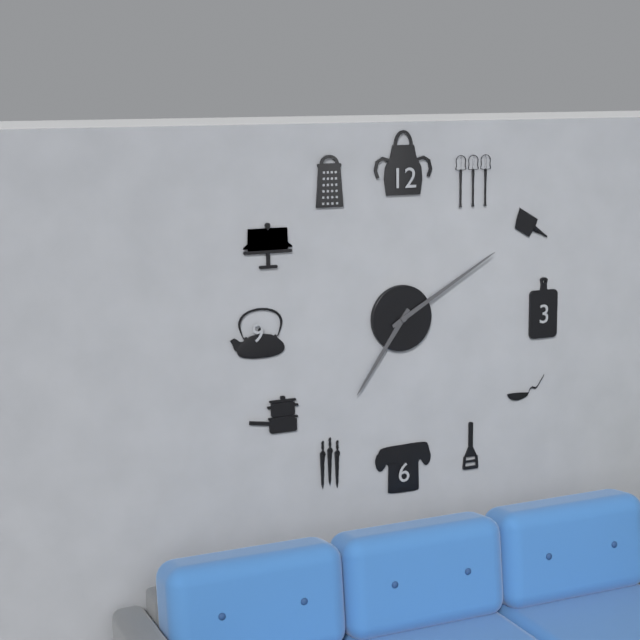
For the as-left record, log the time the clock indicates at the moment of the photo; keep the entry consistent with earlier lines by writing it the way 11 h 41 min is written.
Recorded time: 7 h 10 min
